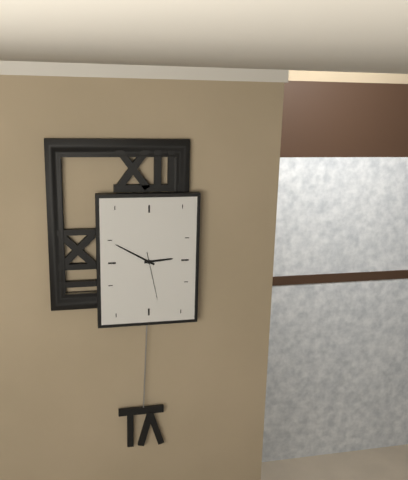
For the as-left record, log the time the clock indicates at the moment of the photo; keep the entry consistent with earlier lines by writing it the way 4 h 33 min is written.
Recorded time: 2 h 50 min
